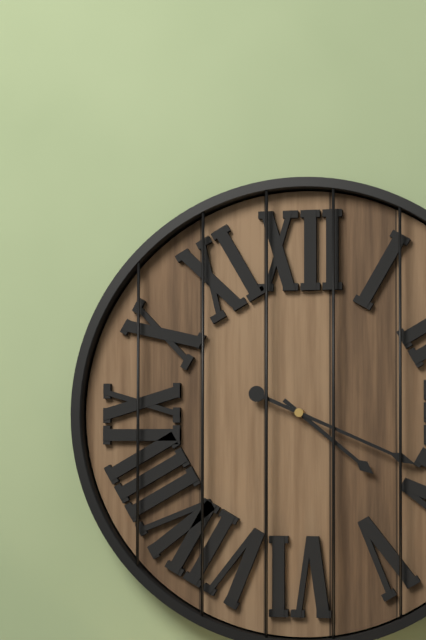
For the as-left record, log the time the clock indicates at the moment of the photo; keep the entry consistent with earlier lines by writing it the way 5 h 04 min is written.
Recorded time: 4 h 19 min
